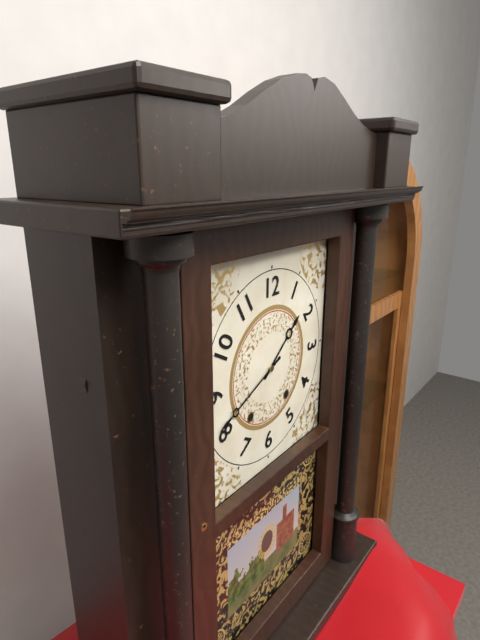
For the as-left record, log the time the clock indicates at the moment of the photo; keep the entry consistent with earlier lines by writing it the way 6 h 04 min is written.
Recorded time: 1 h 41 min
